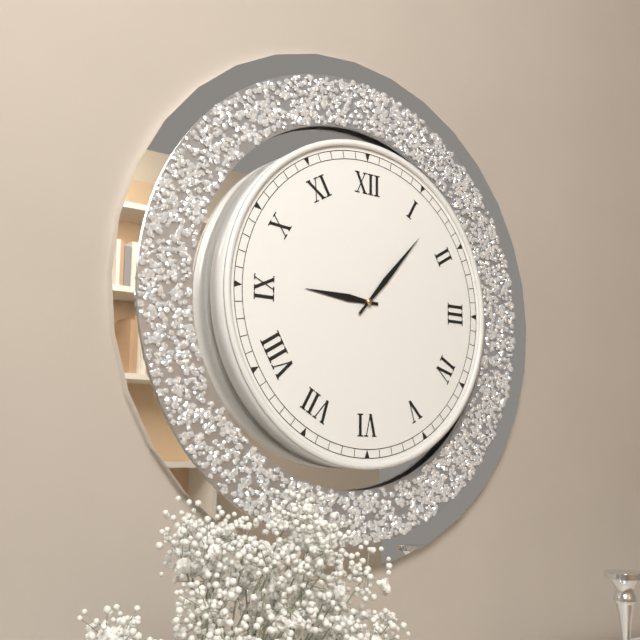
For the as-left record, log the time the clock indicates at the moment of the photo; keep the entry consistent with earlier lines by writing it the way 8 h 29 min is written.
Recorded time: 9 h 07 min
